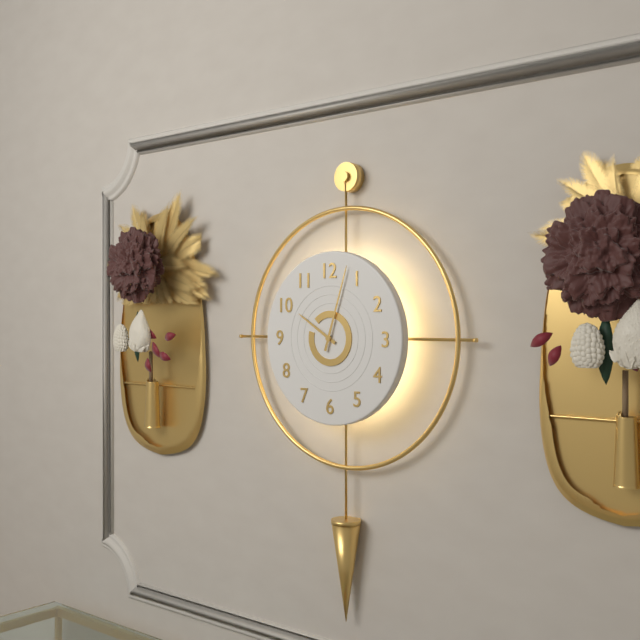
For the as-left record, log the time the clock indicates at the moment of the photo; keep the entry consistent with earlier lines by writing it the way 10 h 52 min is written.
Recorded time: 10 h 03 min
